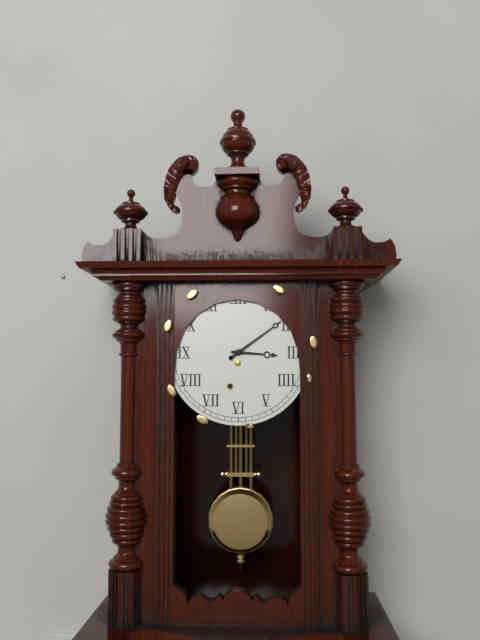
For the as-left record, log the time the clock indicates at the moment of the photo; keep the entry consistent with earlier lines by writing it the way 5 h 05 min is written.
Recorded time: 3 h 09 min
